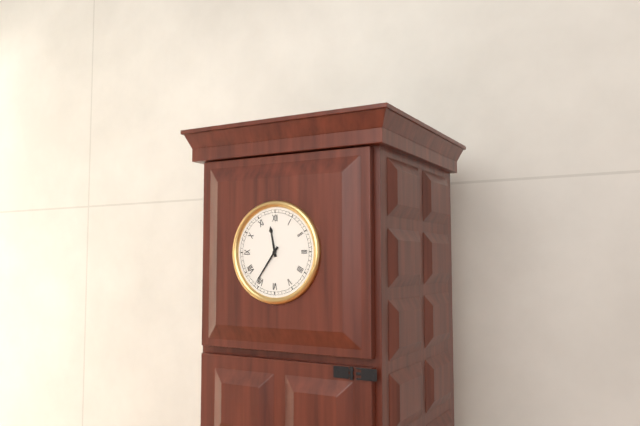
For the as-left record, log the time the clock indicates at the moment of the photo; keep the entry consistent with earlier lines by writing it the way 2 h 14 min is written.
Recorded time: 11 h 36 min
